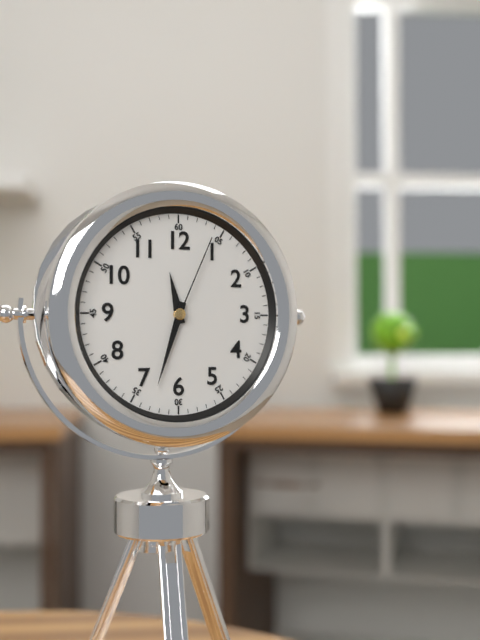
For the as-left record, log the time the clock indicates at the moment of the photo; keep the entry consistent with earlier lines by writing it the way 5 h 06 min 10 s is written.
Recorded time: 11 h 33 min 04 s
